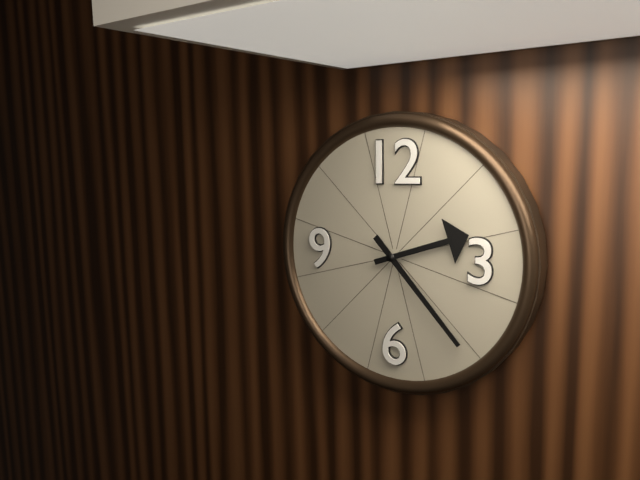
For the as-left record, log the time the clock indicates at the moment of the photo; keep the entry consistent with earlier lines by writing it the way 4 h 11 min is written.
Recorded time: 2 h 23 min
